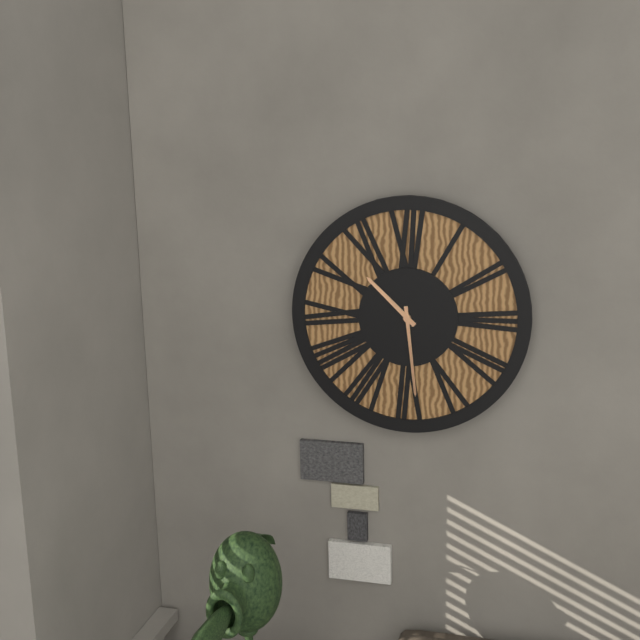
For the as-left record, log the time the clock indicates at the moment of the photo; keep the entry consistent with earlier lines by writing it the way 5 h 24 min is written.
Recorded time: 10 h 29 min
